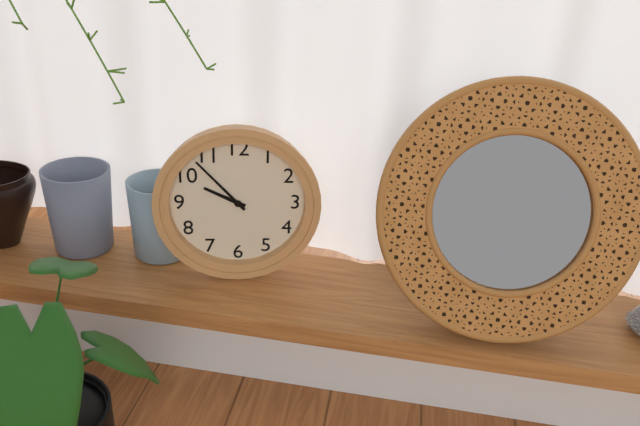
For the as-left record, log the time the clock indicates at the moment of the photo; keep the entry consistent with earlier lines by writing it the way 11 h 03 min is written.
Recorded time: 9 h 53 min
